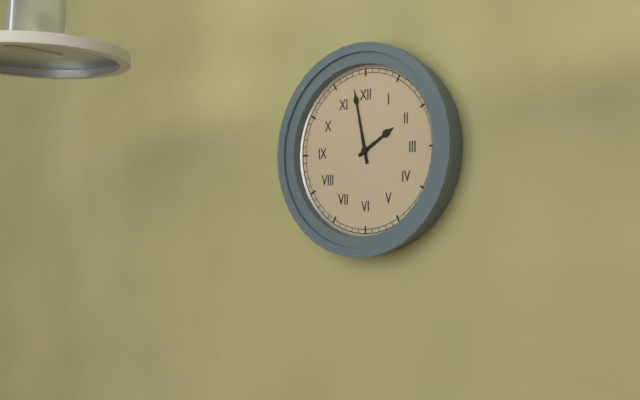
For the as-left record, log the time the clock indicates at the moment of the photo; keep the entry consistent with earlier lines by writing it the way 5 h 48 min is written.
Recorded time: 1 h 58 min
